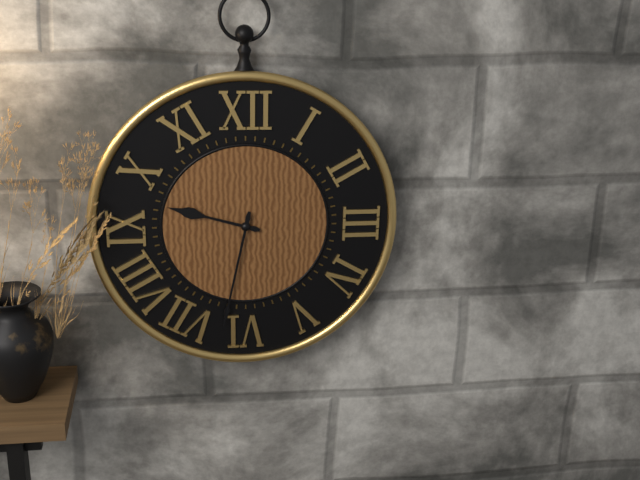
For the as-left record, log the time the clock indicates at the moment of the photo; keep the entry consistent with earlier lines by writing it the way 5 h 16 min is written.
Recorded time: 9 h 32 min
